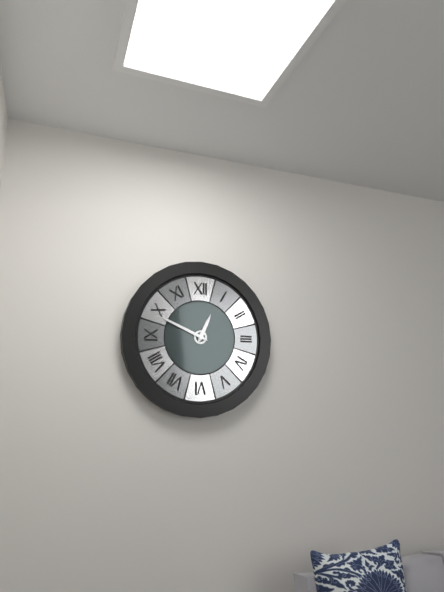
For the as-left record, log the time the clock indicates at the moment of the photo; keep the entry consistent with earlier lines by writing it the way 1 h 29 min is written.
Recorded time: 12 h 49 min
